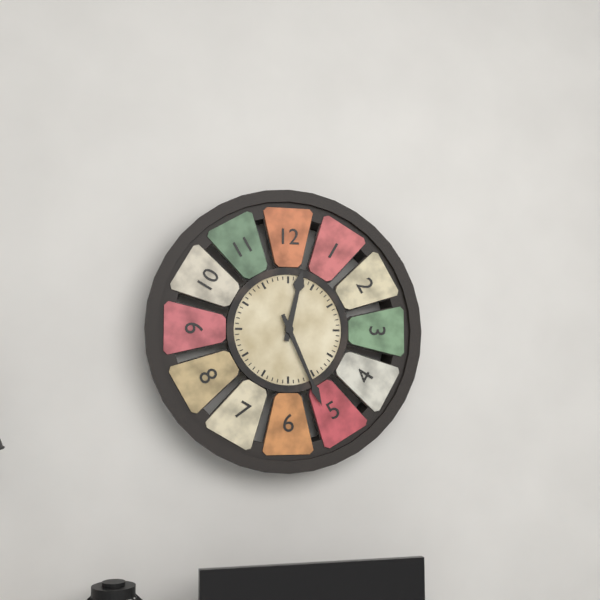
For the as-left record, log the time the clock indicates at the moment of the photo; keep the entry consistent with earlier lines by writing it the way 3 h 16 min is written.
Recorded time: 12 h 26 min
